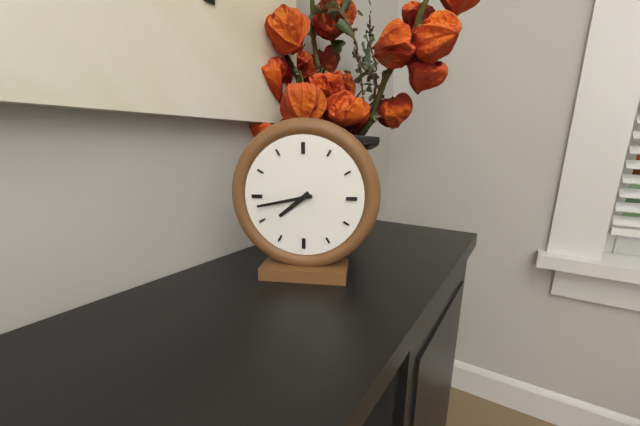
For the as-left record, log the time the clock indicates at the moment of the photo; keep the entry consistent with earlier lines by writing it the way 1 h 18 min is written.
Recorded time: 7 h 43 min
